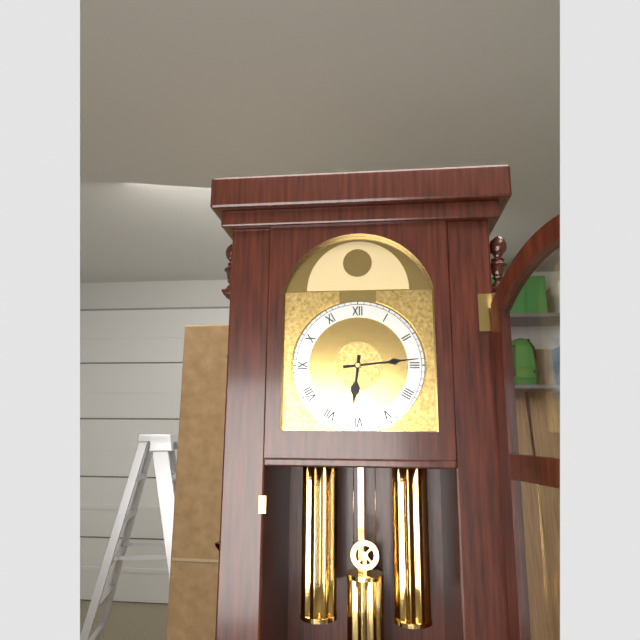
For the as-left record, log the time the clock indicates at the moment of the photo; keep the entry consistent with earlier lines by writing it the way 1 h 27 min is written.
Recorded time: 6 h 14 min
